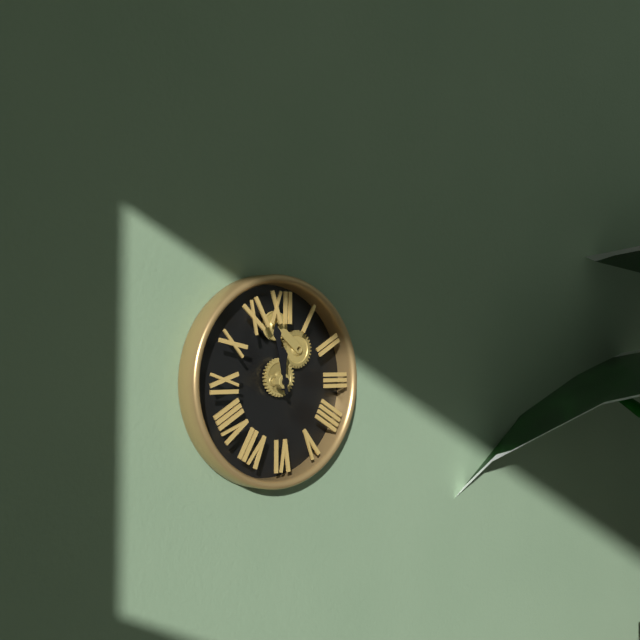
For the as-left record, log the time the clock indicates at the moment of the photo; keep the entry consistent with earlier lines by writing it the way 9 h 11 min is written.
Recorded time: 11 h 58 min
